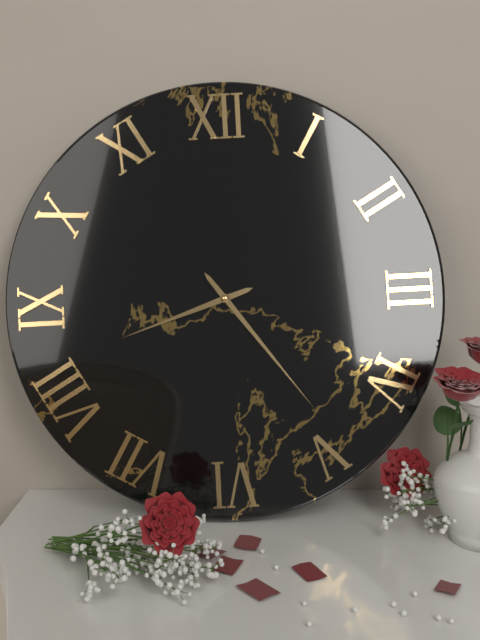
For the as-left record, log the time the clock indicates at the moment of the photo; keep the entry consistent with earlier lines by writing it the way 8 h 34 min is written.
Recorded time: 8 h 24 min
